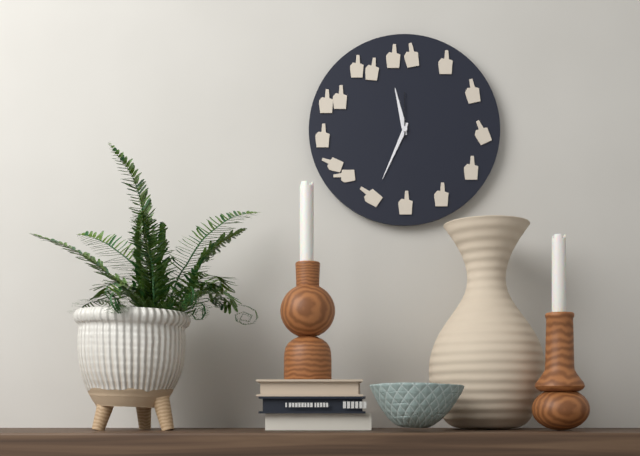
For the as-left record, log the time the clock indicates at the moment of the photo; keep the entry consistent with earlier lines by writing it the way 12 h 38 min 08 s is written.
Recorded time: 11 h 34 min 00 s
